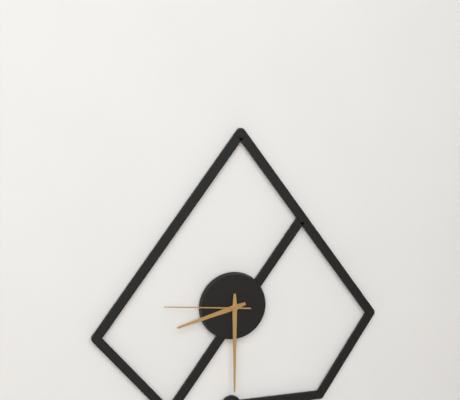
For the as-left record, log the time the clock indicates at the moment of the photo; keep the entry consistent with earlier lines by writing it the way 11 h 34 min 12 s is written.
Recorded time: 8 h 30 min 46 s
